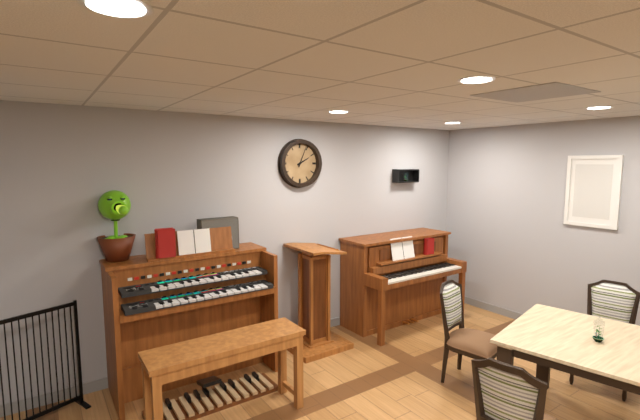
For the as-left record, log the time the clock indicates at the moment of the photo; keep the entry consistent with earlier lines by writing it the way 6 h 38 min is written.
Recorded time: 2 h 04 min
